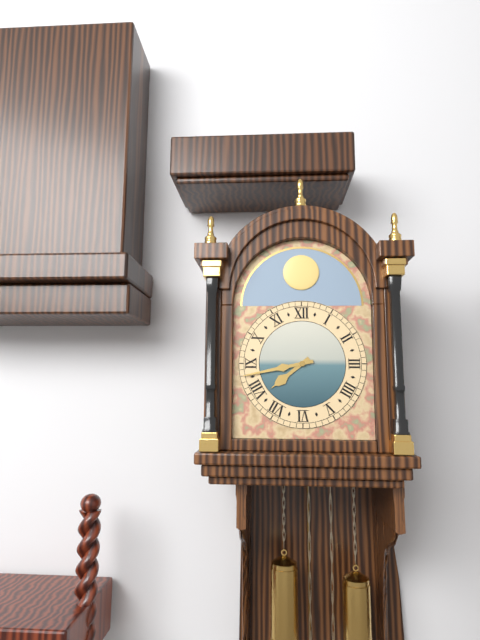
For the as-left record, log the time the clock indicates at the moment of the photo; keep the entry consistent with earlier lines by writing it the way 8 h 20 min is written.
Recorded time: 7 h 43 min
